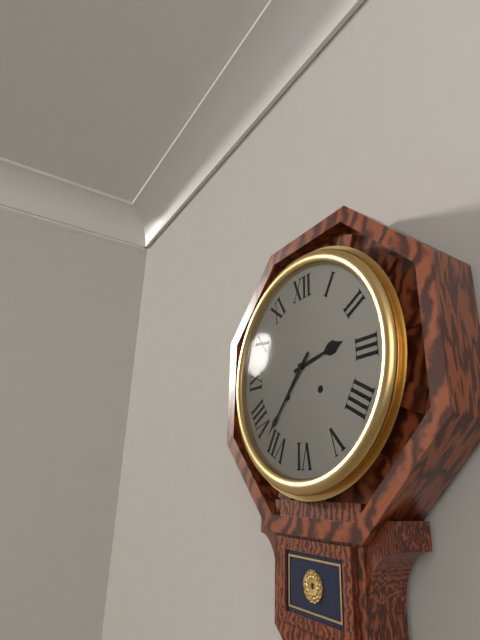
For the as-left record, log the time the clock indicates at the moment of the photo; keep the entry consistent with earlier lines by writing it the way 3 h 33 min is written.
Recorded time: 2 h 37 min
